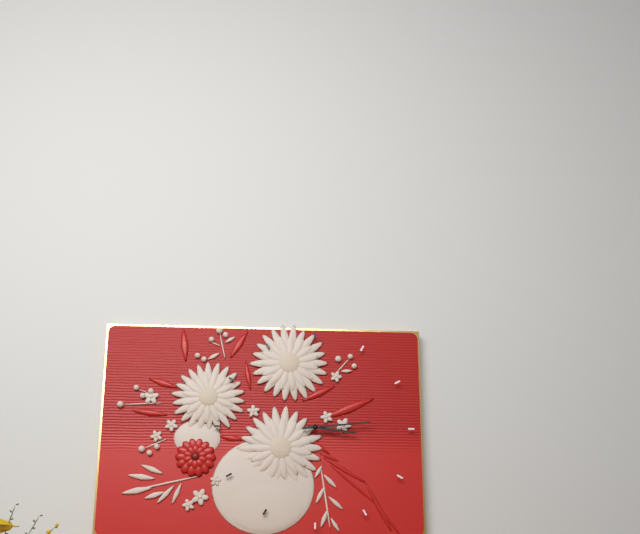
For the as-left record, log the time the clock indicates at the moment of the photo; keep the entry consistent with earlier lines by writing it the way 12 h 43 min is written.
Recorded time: 3 h 14 min
